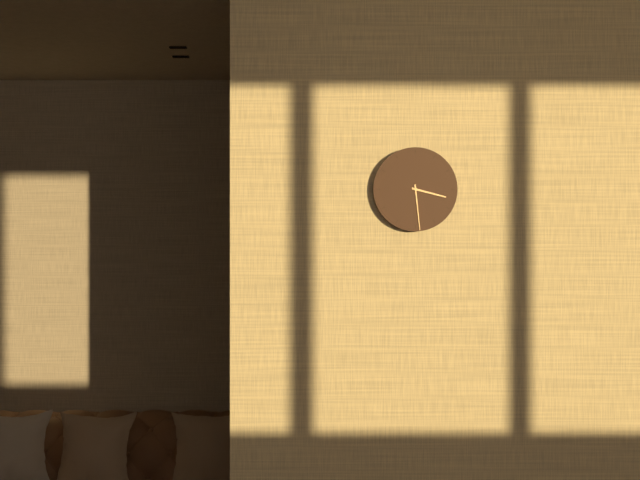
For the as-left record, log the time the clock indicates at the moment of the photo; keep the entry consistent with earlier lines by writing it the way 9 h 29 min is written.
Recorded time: 3 h 29 min
